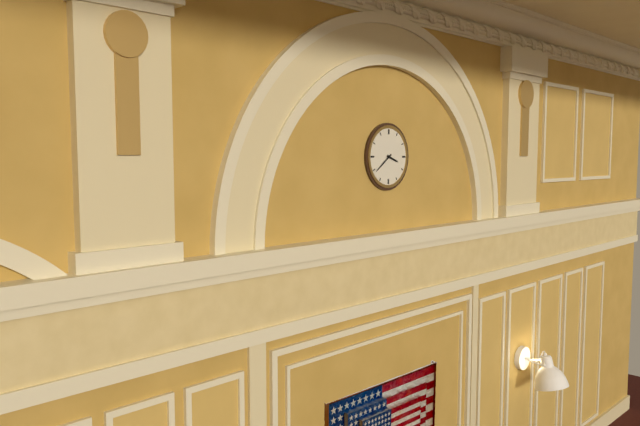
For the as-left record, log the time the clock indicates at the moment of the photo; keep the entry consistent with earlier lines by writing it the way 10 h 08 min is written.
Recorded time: 3 h 39 min
